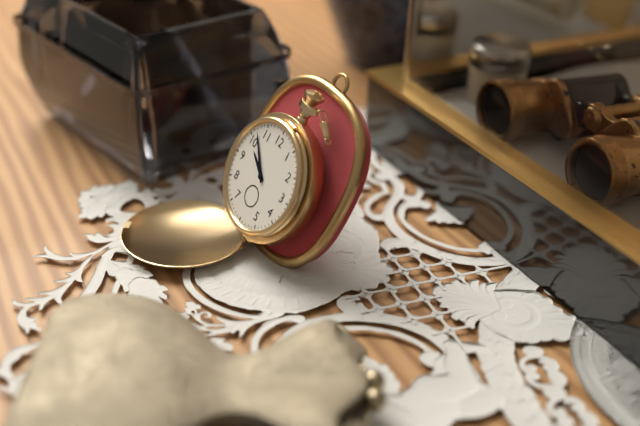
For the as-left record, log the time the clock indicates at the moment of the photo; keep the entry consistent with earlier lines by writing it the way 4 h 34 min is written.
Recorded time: 9 h 52 min
